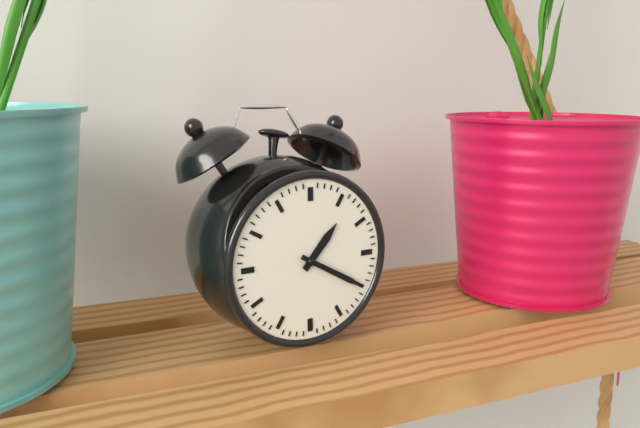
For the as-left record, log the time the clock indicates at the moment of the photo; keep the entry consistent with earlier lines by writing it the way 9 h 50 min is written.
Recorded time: 1 h 20 min
